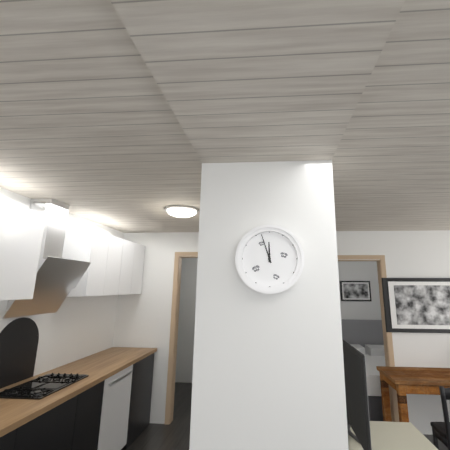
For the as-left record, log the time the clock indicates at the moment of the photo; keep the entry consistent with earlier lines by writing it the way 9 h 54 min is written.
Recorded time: 11 h 57 min
